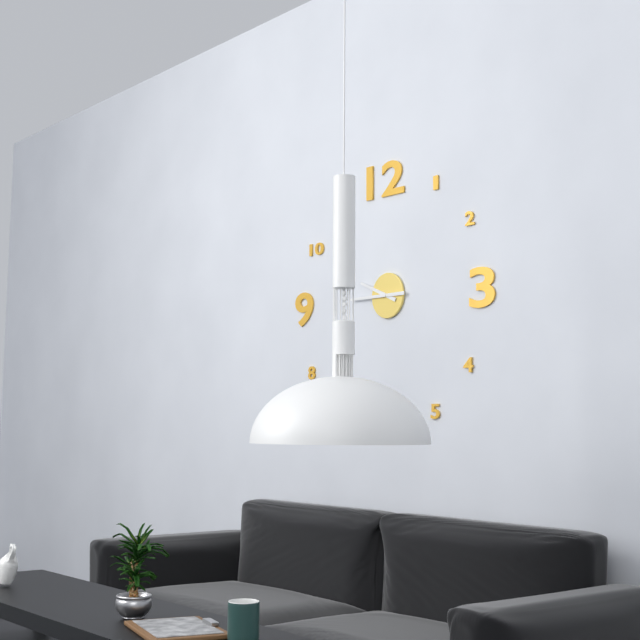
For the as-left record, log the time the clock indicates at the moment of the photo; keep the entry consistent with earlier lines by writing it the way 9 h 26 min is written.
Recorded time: 9 h 45 min
